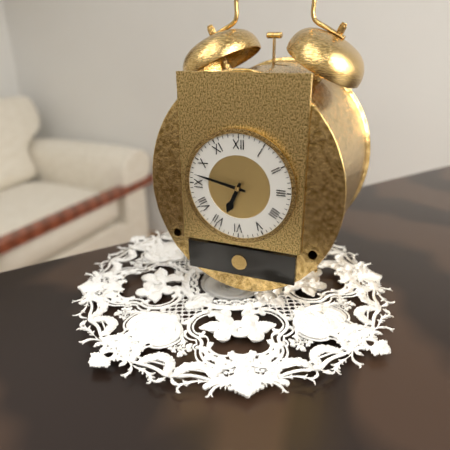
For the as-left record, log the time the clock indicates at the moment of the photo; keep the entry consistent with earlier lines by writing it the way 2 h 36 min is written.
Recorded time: 6 h 47 min
